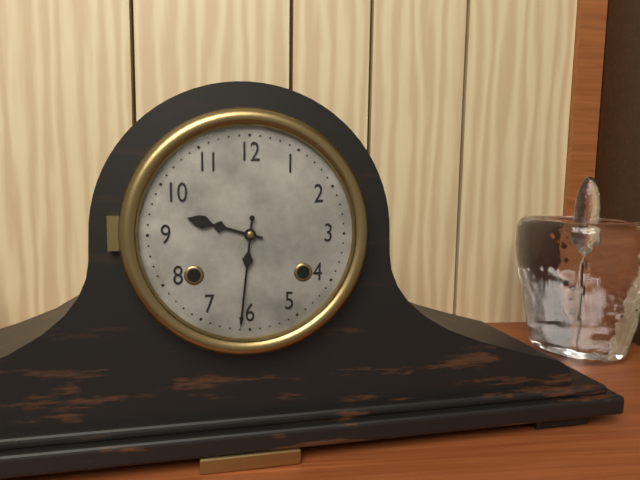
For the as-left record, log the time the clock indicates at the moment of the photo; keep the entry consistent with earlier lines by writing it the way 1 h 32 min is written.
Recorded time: 9 h 31 min
